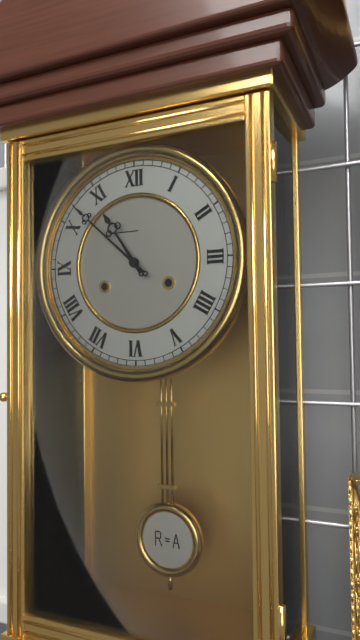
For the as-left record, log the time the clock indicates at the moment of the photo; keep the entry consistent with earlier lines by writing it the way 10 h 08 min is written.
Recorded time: 10 h 52 min
